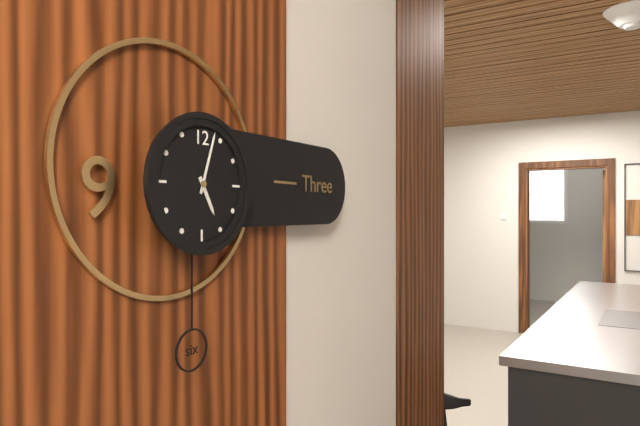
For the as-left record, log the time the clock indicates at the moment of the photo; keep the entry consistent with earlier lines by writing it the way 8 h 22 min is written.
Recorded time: 5 h 03 min
